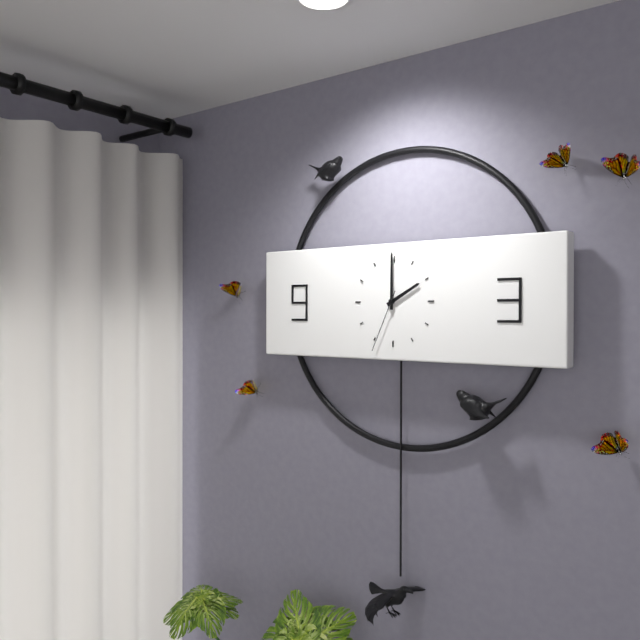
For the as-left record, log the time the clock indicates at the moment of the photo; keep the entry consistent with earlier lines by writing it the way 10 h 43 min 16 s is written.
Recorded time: 2 h 00 min 34 s
